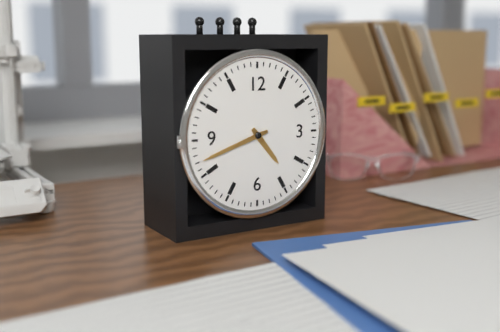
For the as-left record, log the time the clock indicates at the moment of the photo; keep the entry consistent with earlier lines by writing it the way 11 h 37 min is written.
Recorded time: 4 h 42 min
